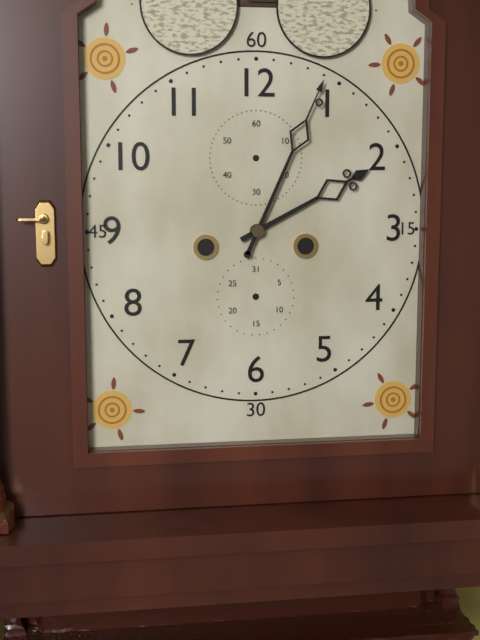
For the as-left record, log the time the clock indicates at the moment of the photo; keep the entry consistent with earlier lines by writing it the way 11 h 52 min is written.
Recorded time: 2 h 04 min
